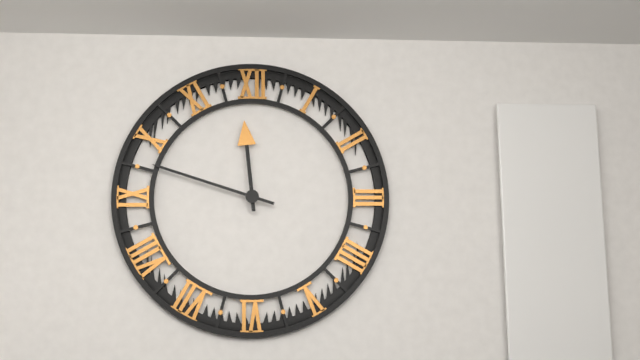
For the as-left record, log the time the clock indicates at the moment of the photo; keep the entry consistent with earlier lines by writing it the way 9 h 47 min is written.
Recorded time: 11 h 48 min
